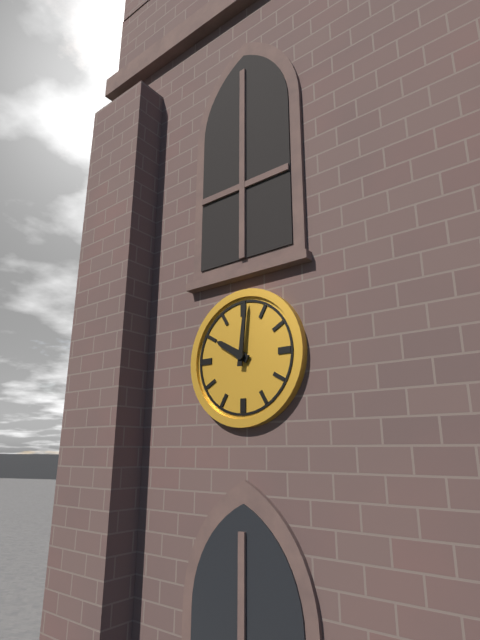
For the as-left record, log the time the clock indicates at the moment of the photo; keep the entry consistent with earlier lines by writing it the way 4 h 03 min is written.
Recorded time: 10 h 01 min
